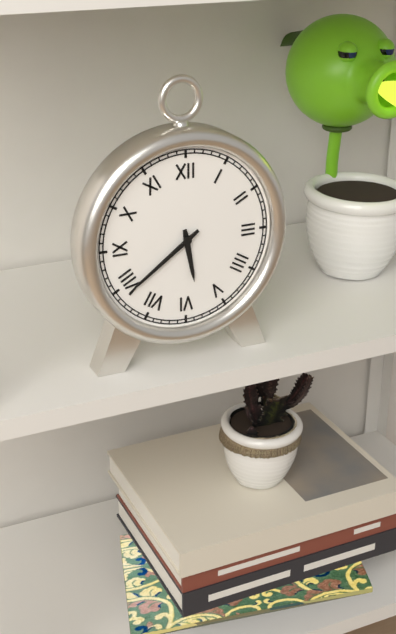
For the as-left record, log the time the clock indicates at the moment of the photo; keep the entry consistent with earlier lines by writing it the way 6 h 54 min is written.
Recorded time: 5 h 39 min
